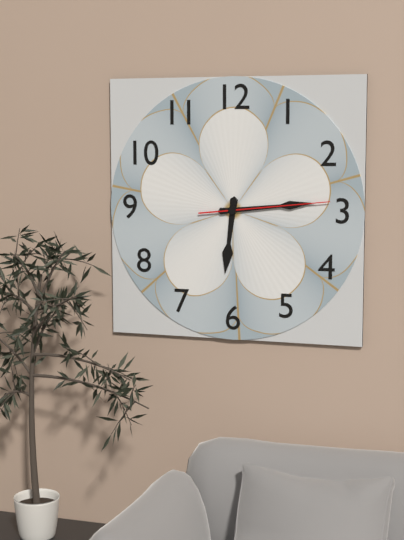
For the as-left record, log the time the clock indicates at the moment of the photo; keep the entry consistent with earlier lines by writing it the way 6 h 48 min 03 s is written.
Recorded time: 6 h 14 min 14 s
